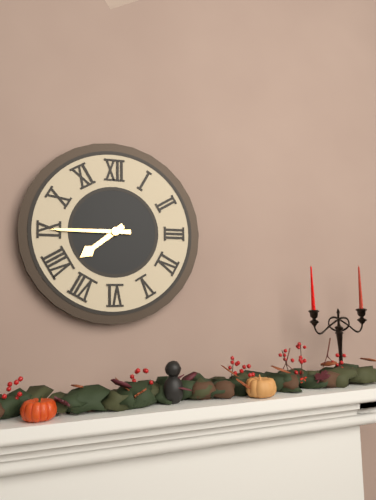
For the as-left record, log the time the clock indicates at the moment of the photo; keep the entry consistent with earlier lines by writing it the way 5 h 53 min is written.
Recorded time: 7 h 45 min
